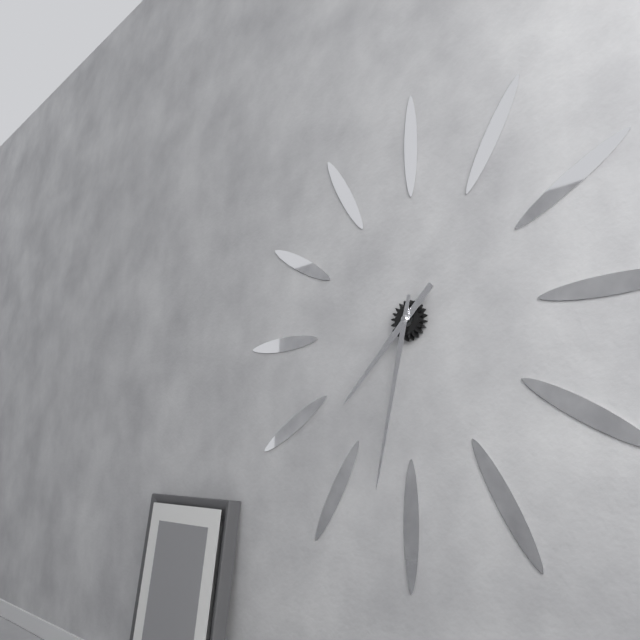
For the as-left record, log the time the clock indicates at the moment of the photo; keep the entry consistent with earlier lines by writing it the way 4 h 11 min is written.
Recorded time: 7 h 32 min
